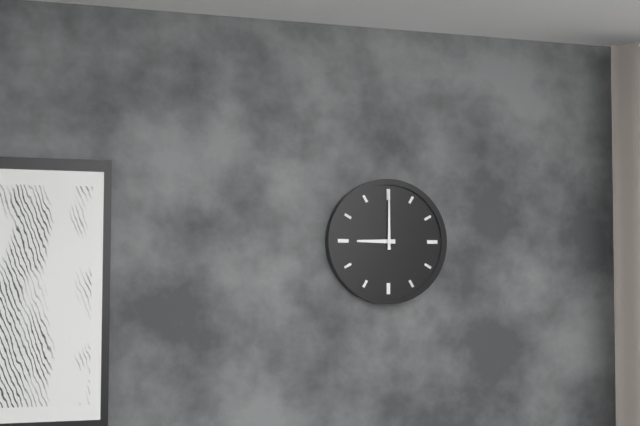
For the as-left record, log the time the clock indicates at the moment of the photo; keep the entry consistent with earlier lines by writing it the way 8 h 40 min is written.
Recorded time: 9 h 00 min
